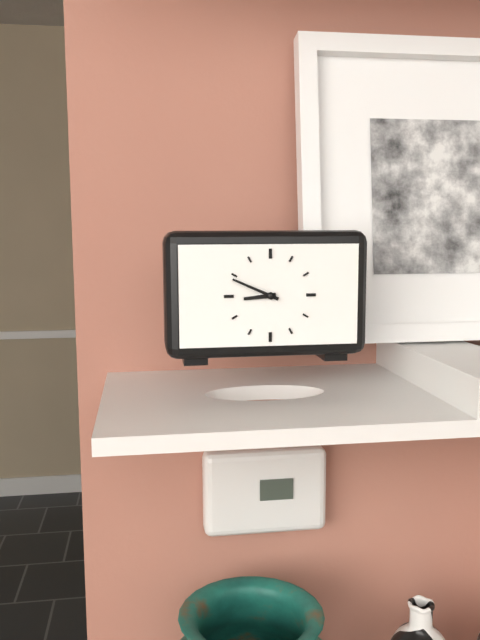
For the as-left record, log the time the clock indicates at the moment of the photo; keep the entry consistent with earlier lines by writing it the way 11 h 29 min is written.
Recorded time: 8 h 49 min
